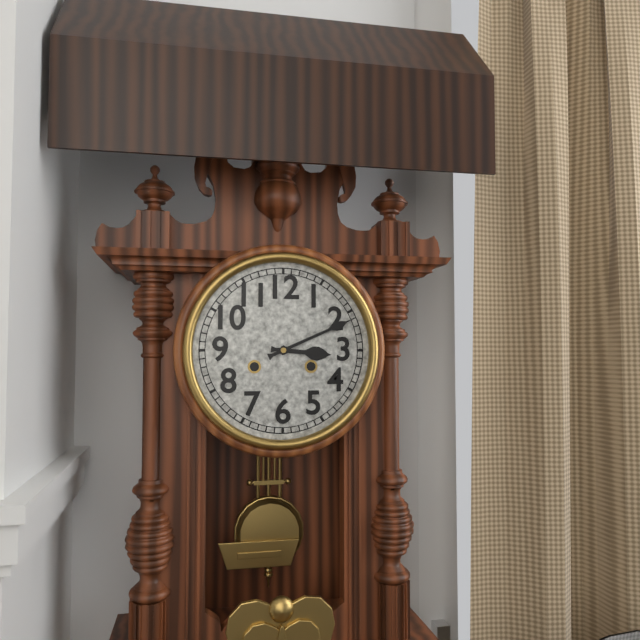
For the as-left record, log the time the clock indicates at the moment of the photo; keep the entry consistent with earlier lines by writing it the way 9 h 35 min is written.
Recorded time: 3 h 11 min
